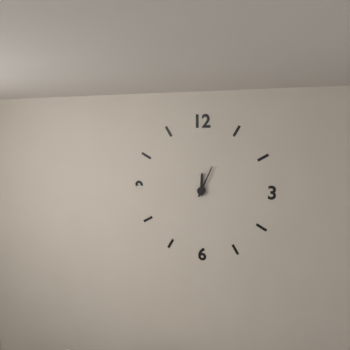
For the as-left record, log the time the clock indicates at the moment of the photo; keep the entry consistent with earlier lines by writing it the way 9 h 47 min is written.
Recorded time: 12 h 04 min
